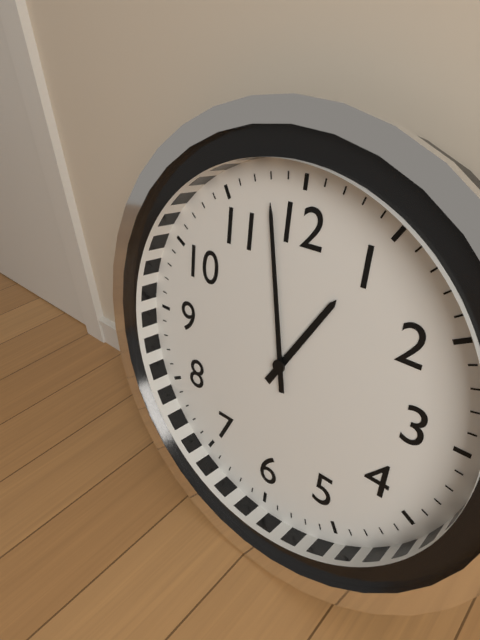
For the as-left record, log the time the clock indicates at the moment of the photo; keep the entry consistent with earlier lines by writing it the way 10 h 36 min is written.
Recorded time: 12 h 58 min
